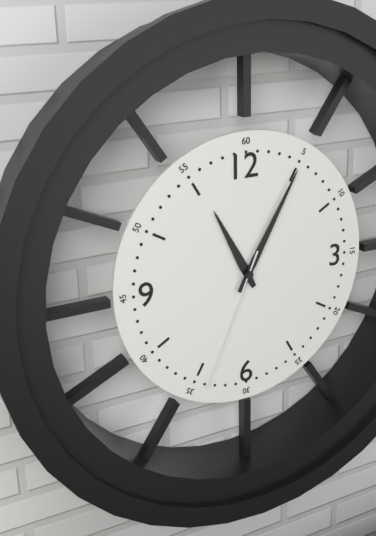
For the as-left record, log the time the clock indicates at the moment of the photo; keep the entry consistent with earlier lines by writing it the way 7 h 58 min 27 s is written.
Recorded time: 11 h 05 min 34 s
